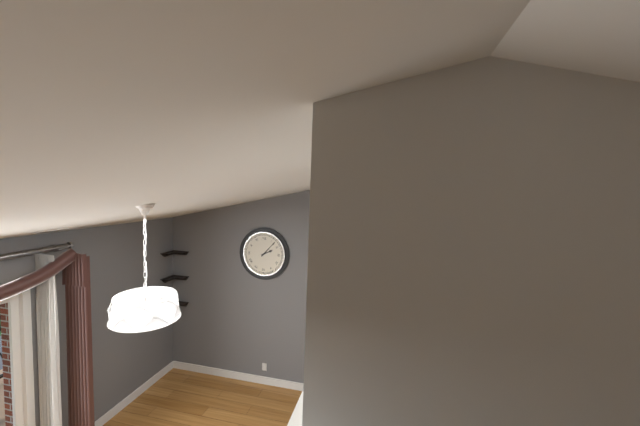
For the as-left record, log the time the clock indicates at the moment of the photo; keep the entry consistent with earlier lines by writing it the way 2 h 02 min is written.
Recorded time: 2 h 07 min
